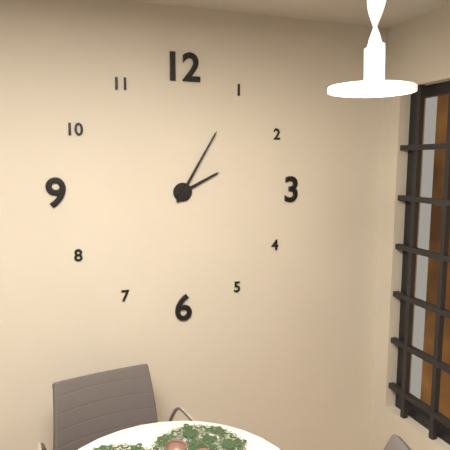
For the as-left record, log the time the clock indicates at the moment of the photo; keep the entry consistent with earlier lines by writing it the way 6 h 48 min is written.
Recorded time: 2 h 05 min
